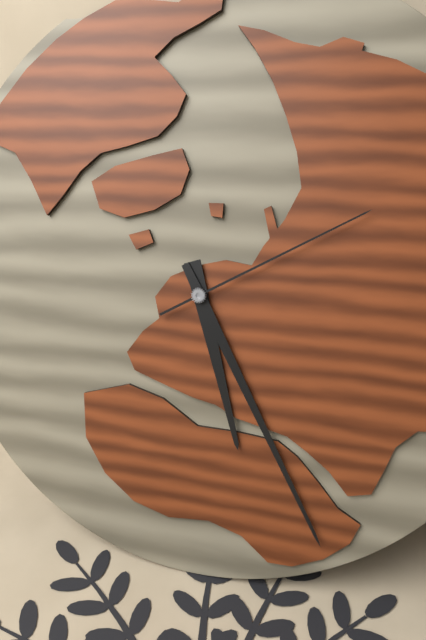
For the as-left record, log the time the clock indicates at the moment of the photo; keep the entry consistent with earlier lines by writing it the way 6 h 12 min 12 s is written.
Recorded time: 5 h 25 min 10 s
